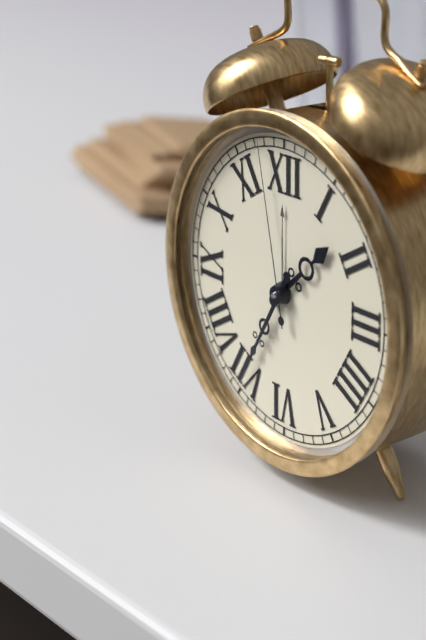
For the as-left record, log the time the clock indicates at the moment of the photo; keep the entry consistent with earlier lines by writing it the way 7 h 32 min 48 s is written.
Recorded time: 1 h 35 min 58 s
